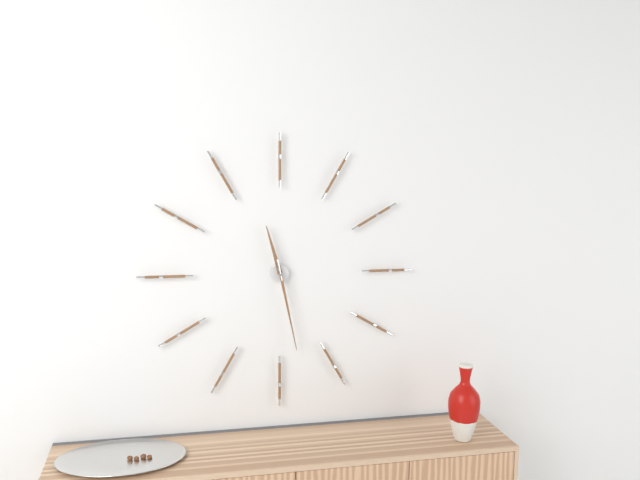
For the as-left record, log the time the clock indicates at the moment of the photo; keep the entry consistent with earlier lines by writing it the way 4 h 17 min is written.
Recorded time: 11 h 28 min
